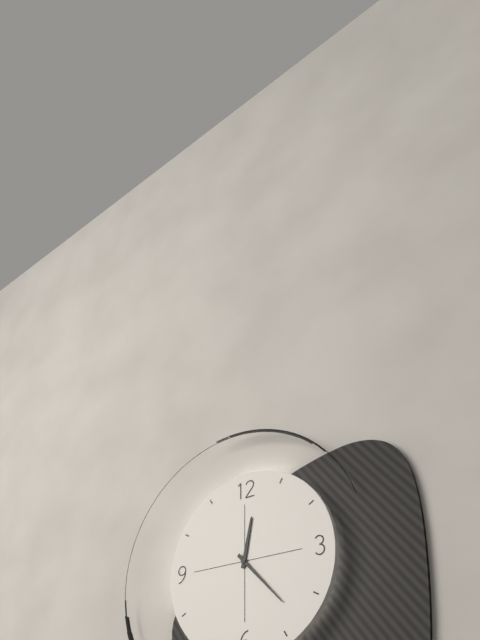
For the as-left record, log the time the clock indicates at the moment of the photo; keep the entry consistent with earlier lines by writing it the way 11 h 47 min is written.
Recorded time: 12 h 23 min
